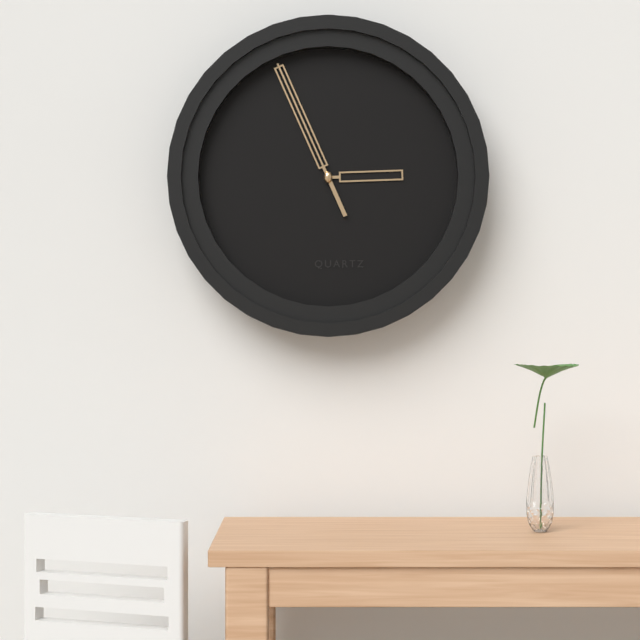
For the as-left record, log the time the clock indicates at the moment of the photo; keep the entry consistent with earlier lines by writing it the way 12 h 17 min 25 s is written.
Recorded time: 2 h 56 min 56 s
